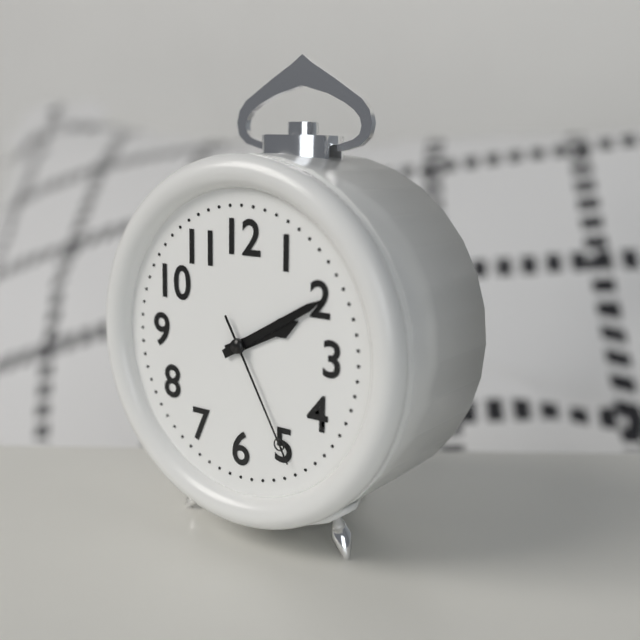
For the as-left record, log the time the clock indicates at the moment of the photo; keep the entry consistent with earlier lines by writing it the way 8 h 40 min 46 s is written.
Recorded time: 2 h 10 min 25 s
